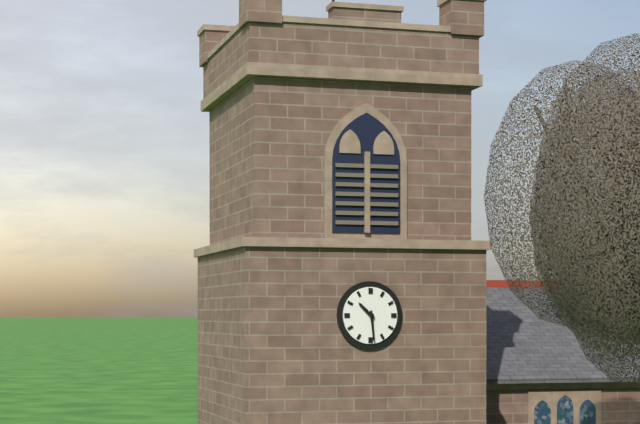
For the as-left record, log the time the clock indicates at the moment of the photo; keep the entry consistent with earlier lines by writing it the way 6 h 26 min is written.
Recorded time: 10 h 29 min
